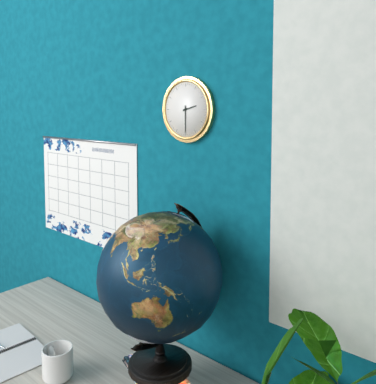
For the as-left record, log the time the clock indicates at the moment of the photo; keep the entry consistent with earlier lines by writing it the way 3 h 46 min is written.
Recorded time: 2 h 30 min
